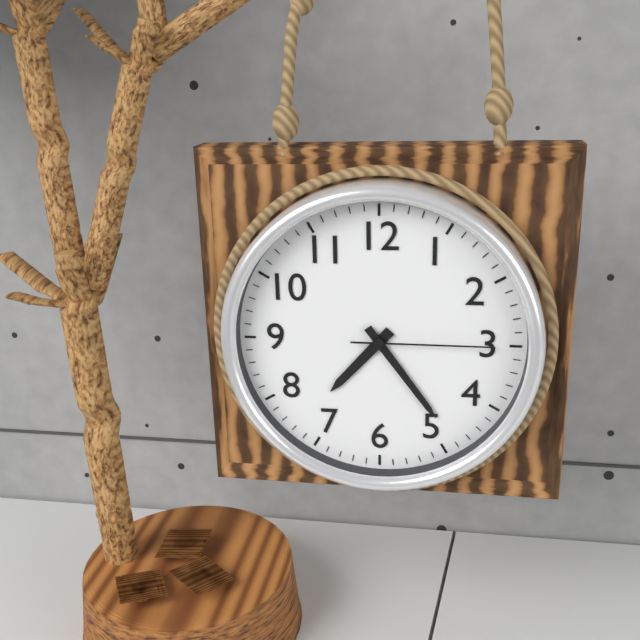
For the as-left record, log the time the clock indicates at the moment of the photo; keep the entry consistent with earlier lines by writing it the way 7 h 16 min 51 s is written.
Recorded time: 7 h 24 min 15 s
